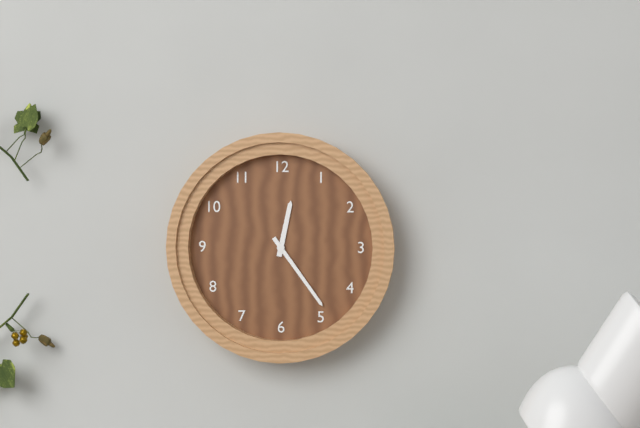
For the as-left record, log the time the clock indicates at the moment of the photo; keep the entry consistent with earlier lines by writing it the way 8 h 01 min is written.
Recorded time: 12 h 24 min
